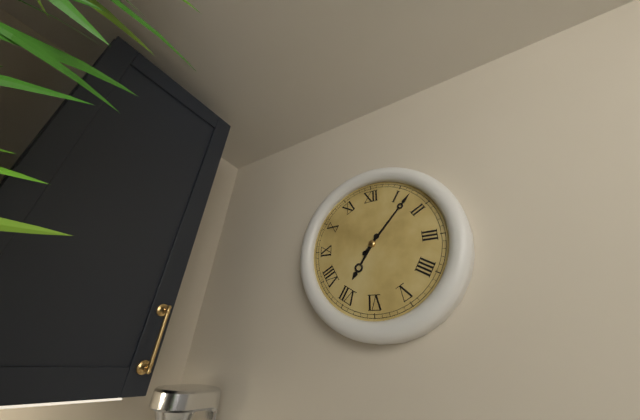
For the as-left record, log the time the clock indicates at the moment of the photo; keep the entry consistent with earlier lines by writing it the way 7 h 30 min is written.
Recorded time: 7 h 07 min
